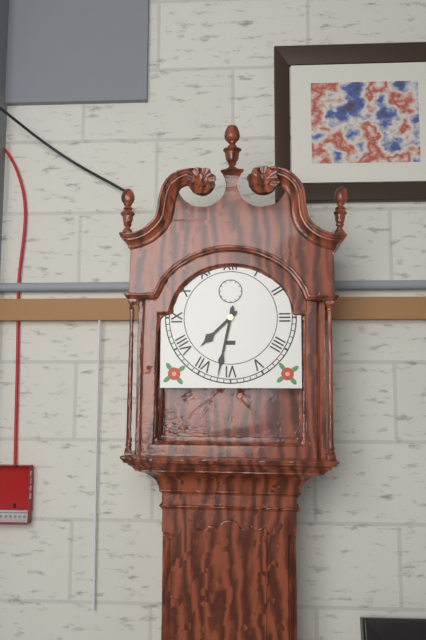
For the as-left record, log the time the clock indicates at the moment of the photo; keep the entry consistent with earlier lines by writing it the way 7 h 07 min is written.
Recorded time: 7 h 32 min
